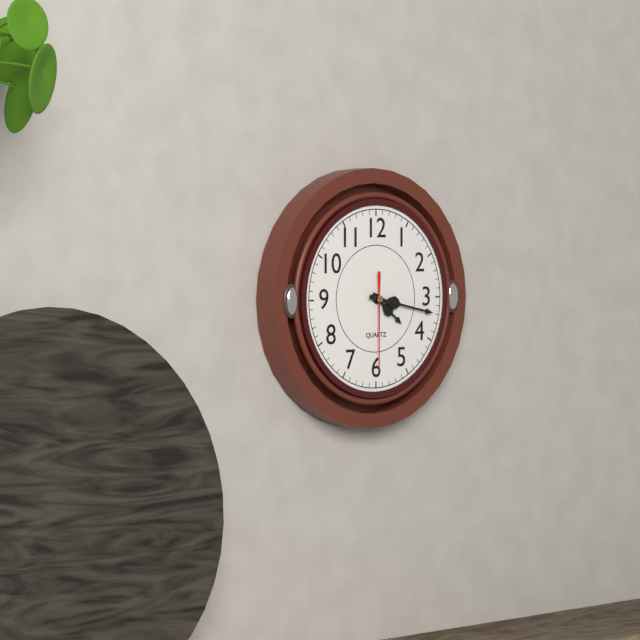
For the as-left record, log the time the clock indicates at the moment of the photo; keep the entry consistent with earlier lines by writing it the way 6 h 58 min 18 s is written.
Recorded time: 4 h 17 min 30 s
